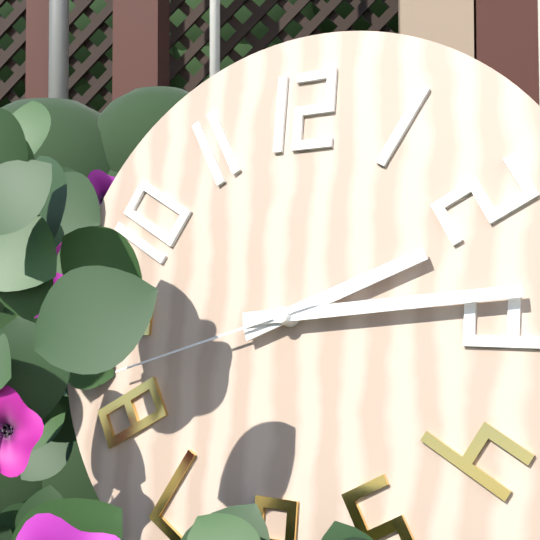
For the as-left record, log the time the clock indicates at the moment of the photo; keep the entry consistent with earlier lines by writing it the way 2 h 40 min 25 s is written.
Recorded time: 2 h 14 min 42 s
